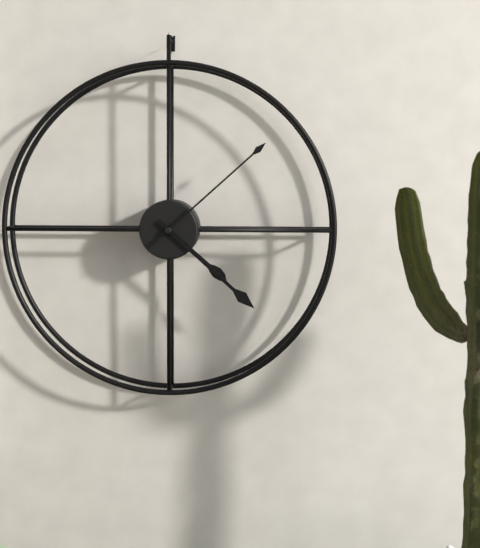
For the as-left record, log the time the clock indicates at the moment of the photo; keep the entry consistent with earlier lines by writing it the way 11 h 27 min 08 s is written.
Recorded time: 4 h 22 min 08 s
